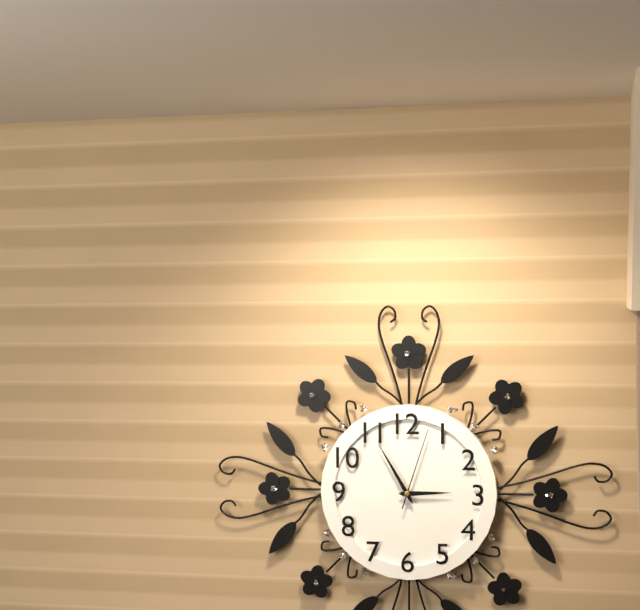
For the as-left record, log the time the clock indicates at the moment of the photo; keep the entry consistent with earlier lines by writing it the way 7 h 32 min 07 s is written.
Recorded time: 2 h 55 min 03 s
